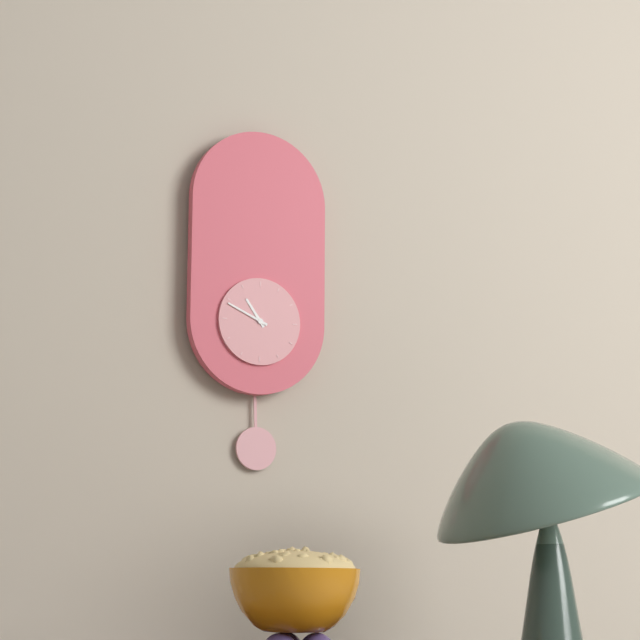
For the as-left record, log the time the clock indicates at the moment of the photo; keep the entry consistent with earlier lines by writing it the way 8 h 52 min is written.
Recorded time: 10 h 49 min
